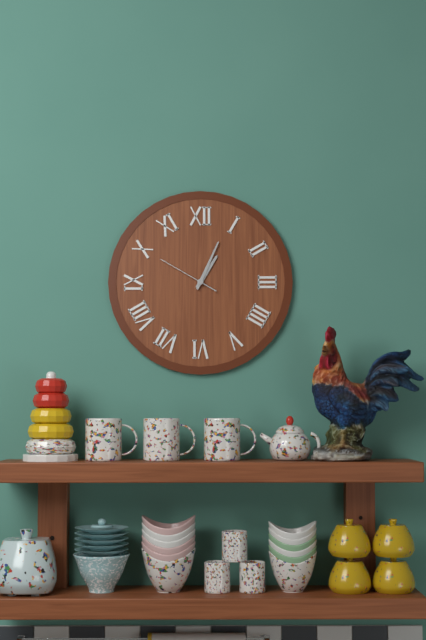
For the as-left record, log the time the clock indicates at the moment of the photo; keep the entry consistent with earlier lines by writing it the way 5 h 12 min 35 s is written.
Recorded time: 1 h 04 min 50 s
